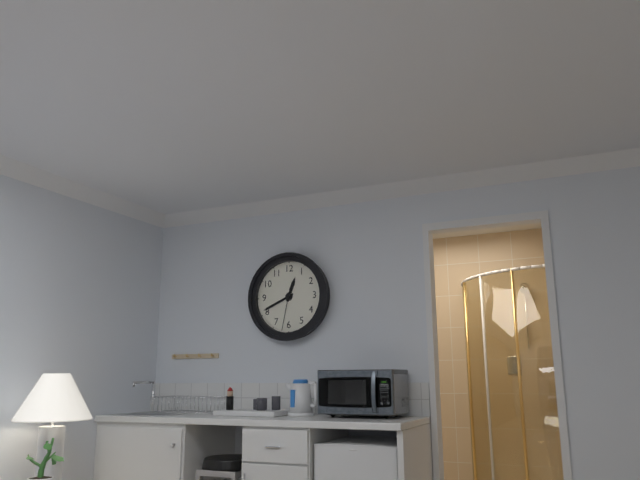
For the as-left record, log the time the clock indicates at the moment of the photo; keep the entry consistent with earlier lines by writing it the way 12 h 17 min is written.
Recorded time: 12 h 41 min
